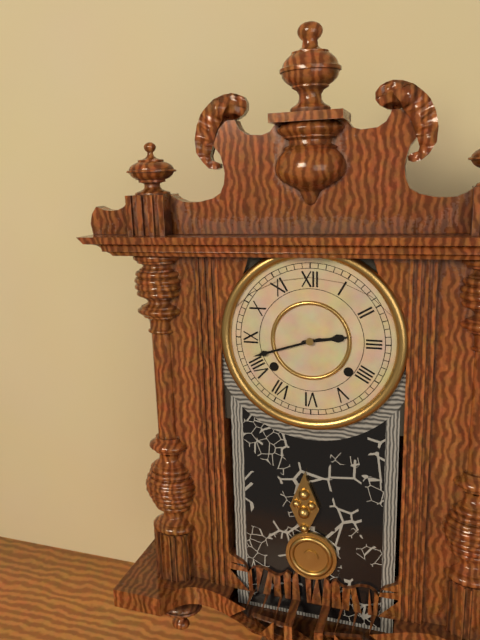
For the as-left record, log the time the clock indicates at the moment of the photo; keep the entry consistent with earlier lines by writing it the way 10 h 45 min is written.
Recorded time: 2 h 42 min
